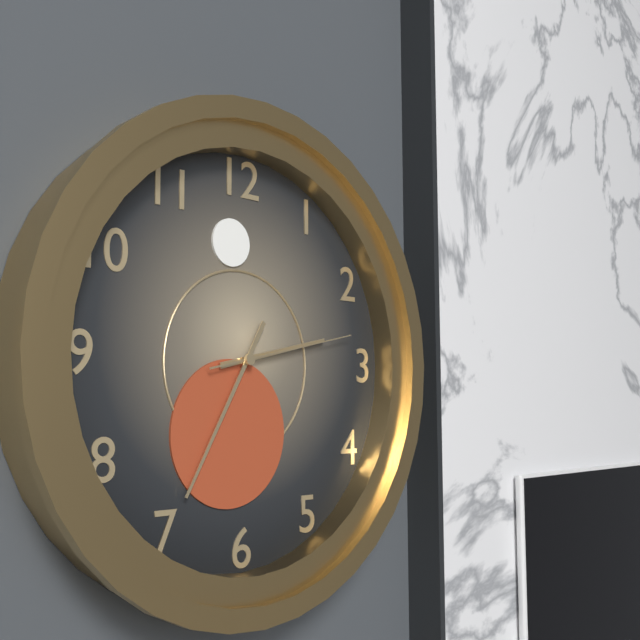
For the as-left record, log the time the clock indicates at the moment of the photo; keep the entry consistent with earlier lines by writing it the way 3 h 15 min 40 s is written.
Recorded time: 2 h 35 min 13 s
